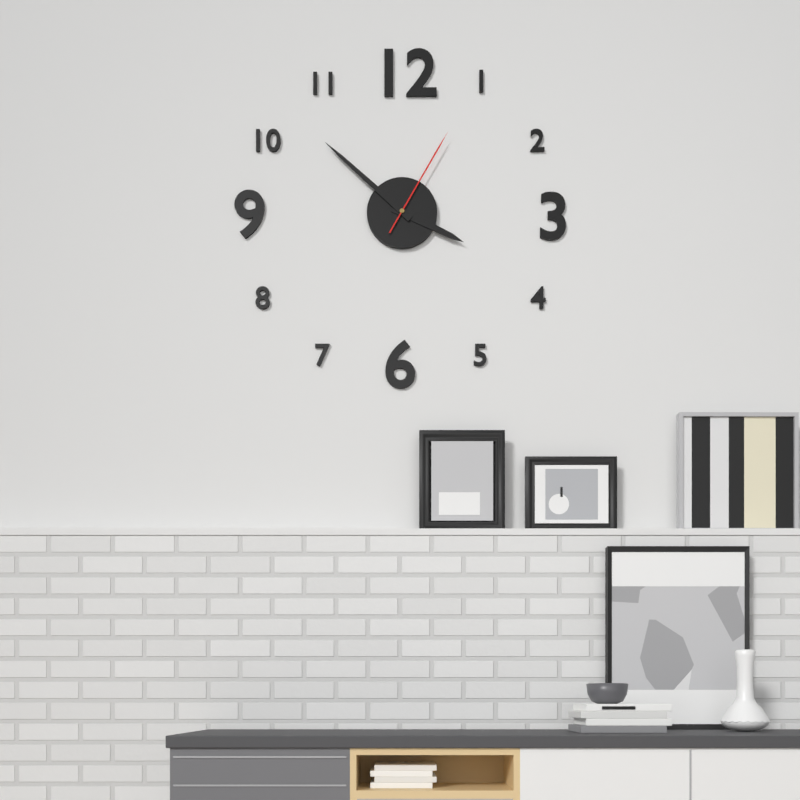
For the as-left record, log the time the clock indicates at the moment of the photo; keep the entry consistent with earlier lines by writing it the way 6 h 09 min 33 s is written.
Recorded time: 3 h 52 min 05 s
